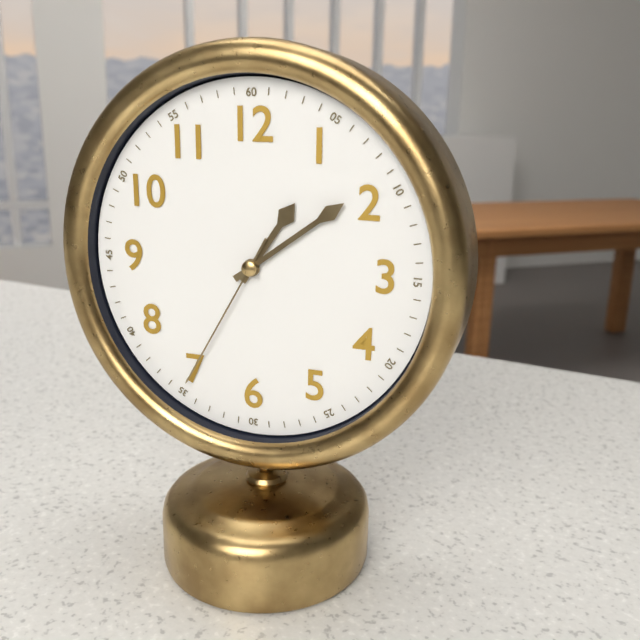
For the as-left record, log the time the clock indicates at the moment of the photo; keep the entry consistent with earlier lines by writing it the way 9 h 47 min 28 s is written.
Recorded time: 1 h 09 min 35 s
